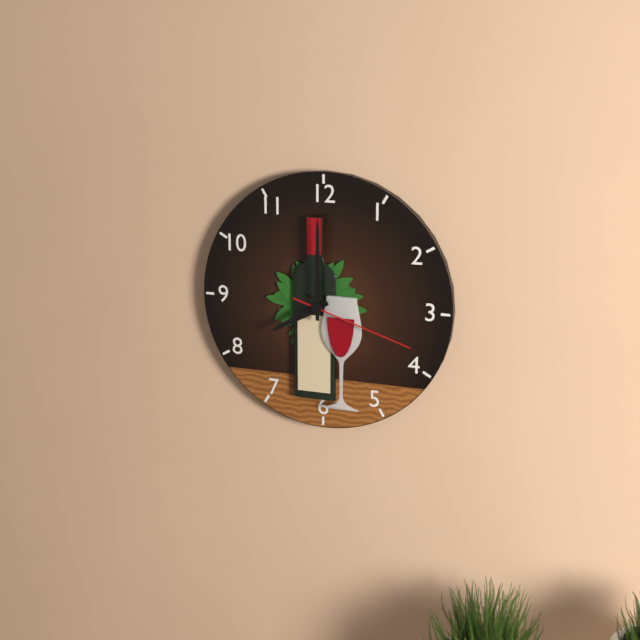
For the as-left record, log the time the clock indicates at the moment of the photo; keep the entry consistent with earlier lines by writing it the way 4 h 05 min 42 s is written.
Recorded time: 8 h 00 min 18 s
